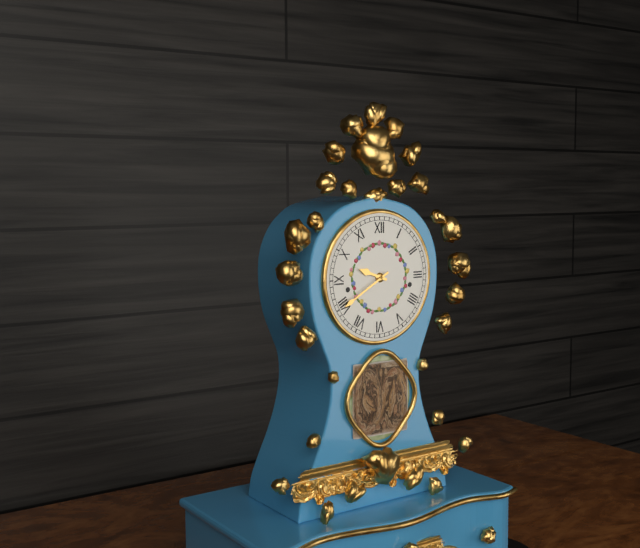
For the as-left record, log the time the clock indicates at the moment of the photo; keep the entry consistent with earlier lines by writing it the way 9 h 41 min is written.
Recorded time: 9 h 40 min
